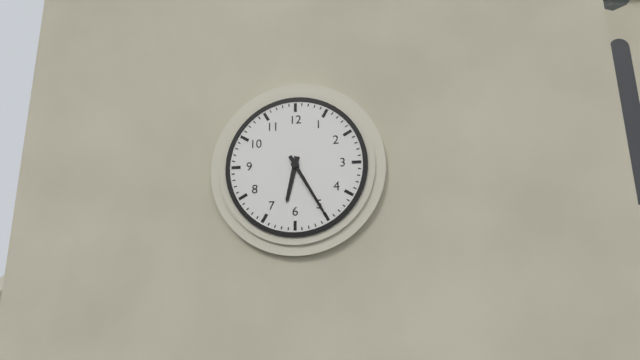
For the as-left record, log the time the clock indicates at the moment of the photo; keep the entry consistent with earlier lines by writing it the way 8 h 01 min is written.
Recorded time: 6 h 25 min
